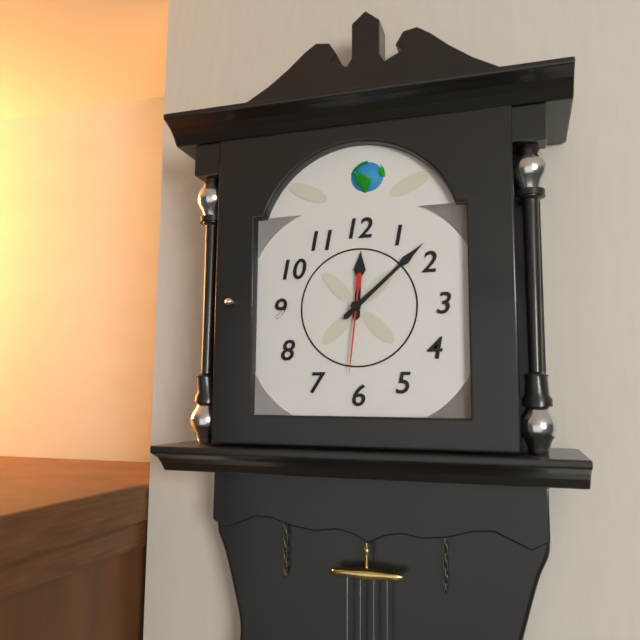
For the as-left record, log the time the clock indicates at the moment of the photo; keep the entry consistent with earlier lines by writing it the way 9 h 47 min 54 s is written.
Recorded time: 12 h 08 min 31 s
